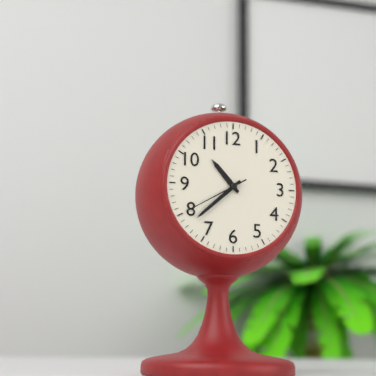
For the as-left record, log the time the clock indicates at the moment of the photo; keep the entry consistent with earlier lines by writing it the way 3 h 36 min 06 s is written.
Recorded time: 10 h 38 min 40 s
